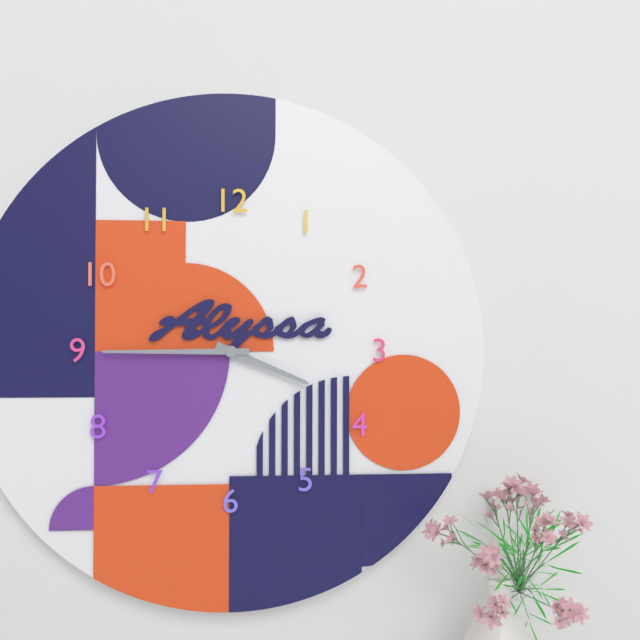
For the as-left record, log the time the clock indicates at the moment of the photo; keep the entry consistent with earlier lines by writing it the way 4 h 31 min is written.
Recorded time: 3 h 45 min
